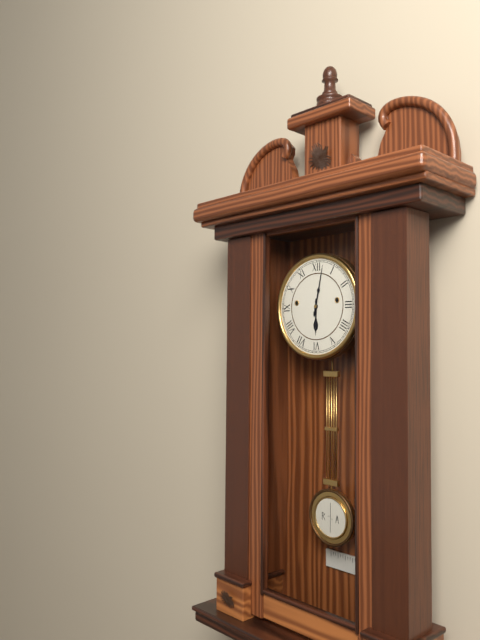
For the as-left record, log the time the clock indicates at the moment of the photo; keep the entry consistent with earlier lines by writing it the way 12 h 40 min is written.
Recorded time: 6 h 02 min
